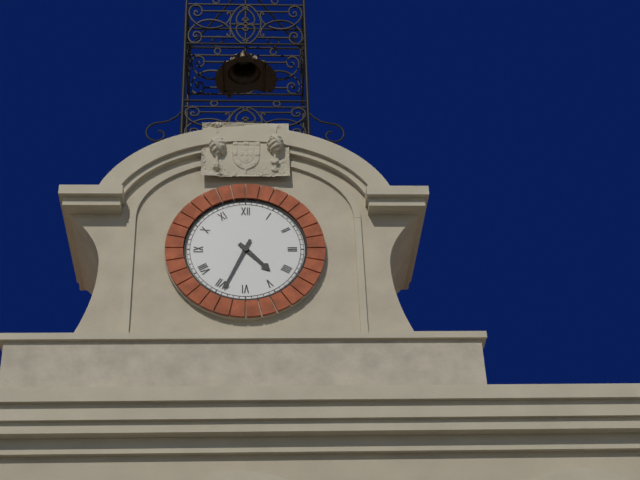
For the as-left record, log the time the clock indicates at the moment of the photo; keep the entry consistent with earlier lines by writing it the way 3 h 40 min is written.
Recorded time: 4 h 34 min
